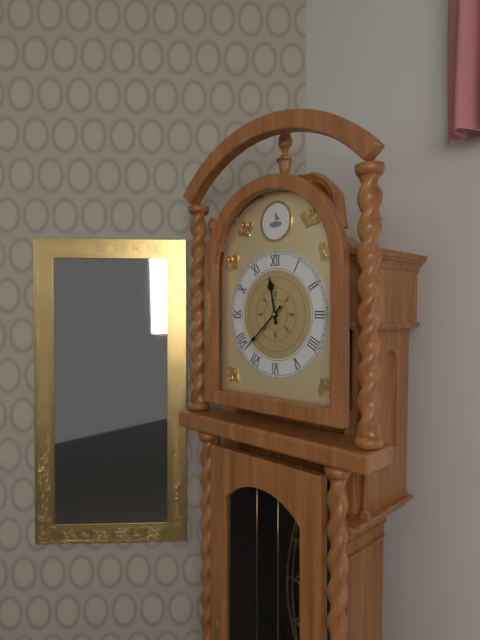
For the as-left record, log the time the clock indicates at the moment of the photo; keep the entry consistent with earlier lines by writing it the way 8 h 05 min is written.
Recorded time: 11 h 38 min
